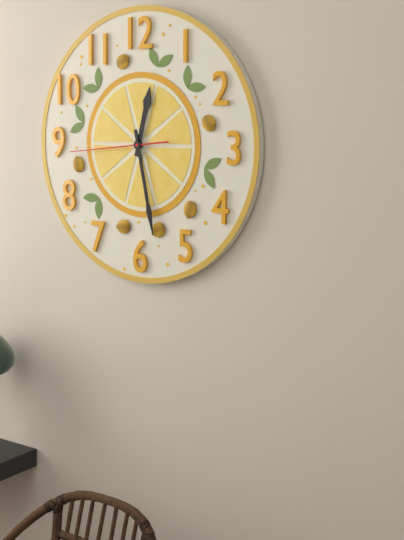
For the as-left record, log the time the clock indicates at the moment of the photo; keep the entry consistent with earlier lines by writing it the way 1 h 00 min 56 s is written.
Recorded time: 12 h 28 min 44 s
